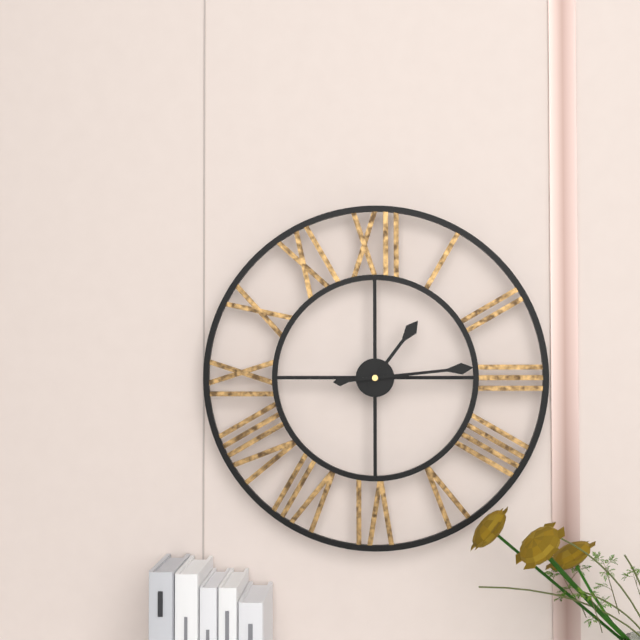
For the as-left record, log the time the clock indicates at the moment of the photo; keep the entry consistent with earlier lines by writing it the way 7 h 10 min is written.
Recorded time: 1 h 14 min
